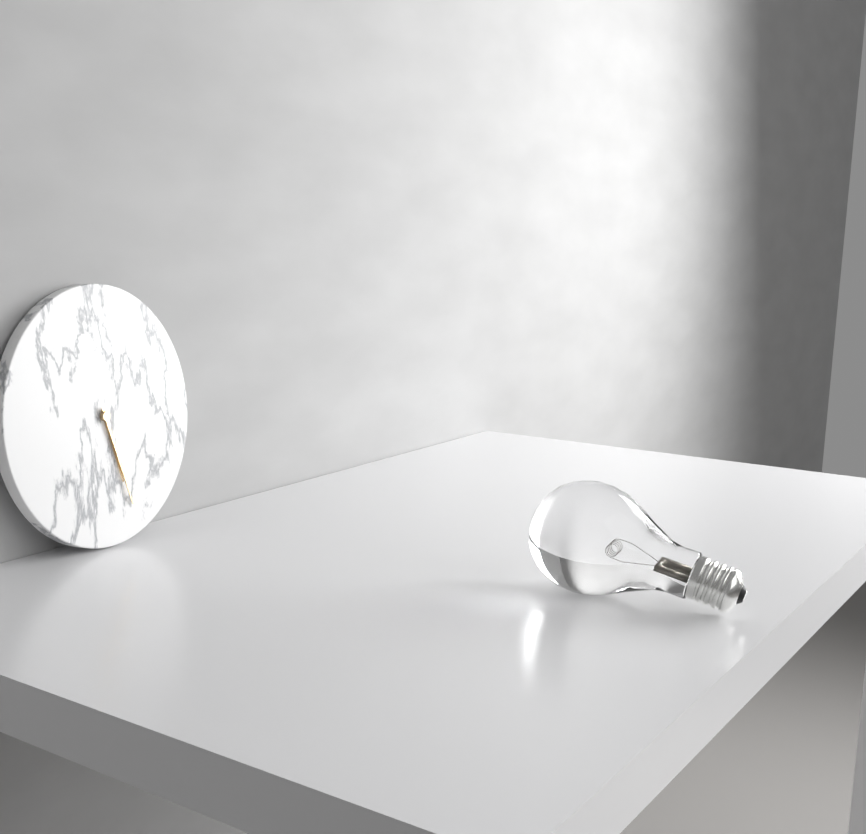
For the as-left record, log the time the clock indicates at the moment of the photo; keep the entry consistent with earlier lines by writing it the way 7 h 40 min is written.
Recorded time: 5 h 27 min
